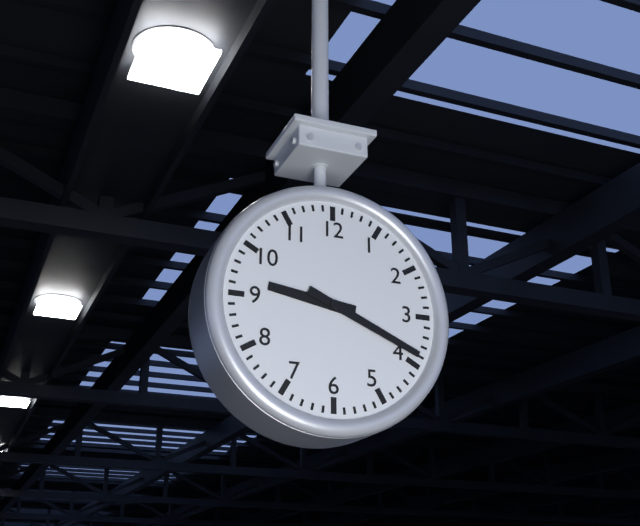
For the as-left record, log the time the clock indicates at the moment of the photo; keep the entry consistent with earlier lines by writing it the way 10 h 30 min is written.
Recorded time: 9 h 19 min
